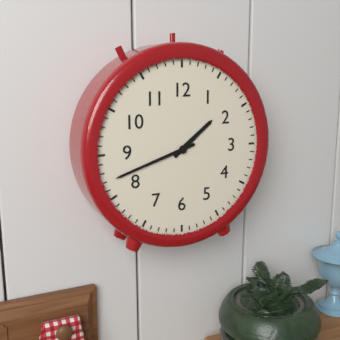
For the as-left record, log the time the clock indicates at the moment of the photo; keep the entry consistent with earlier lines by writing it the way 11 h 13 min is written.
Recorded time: 1 h 42 min
